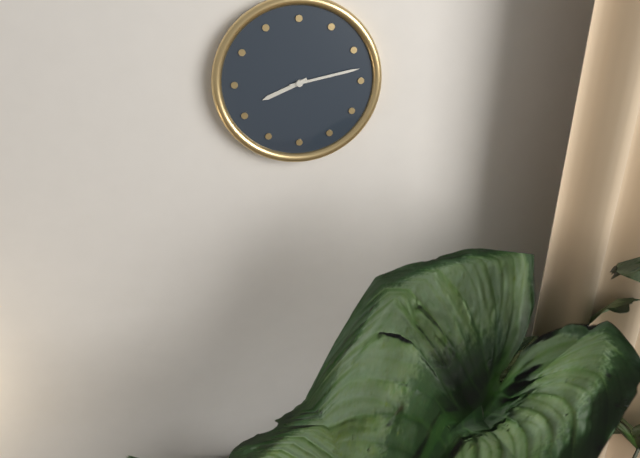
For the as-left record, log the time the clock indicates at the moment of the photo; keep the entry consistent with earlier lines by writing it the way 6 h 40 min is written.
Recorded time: 8 h 13 min
